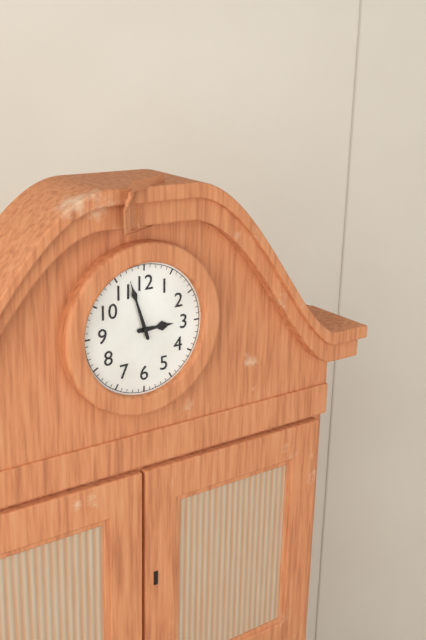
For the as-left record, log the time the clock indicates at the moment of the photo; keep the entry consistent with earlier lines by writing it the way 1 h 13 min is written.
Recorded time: 2 h 57 min
